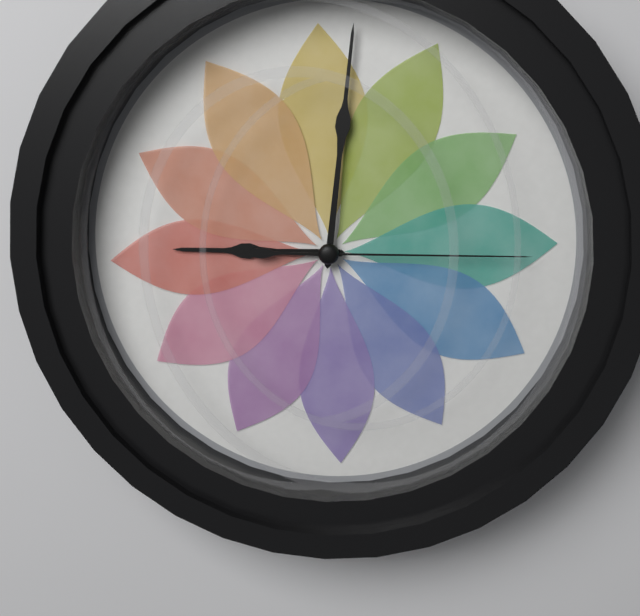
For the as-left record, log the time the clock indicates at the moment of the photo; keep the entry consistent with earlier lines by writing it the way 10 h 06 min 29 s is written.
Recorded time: 9 h 01 min 15 s
